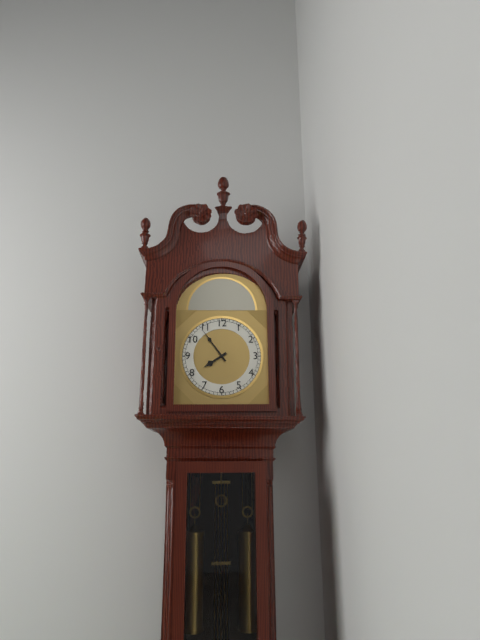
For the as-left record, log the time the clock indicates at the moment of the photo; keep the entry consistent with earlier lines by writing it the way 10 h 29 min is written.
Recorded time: 7 h 54 min
